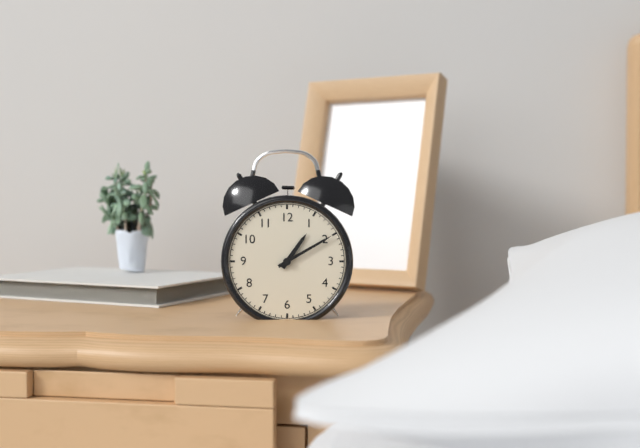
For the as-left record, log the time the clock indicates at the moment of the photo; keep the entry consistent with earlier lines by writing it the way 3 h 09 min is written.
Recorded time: 1 h 10 min
